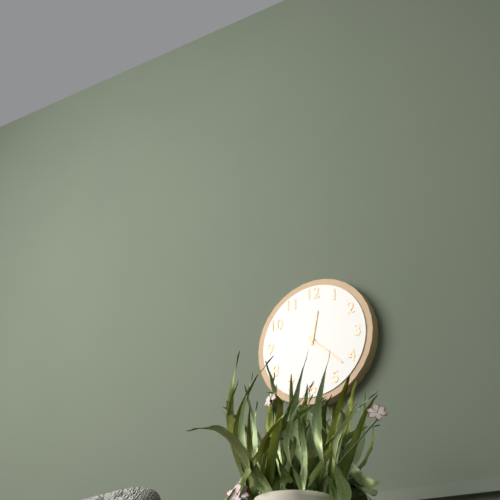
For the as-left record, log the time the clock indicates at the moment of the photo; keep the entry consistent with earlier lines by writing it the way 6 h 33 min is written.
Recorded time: 12 h 22 min
